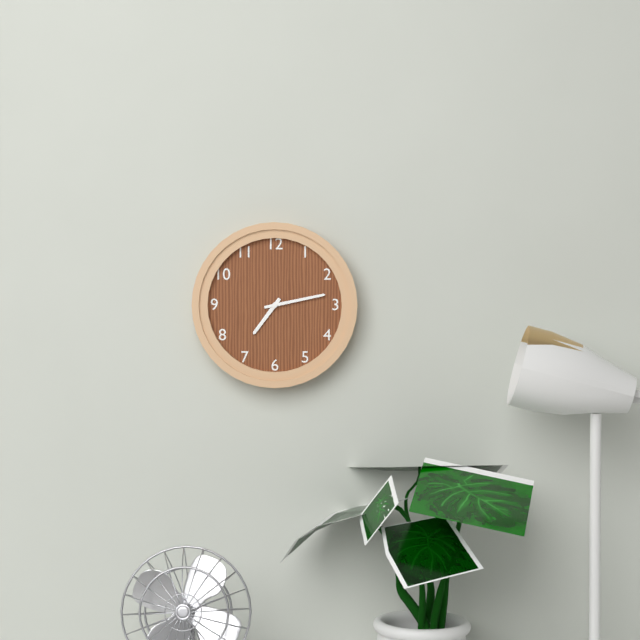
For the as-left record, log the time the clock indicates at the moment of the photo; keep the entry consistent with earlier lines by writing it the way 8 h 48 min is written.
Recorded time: 7 h 13 min
